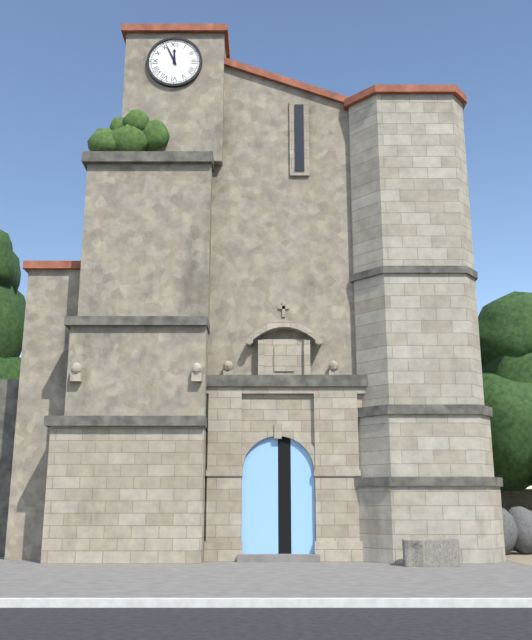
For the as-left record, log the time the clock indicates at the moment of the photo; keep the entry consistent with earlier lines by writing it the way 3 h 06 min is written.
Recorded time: 11 h 56 min
